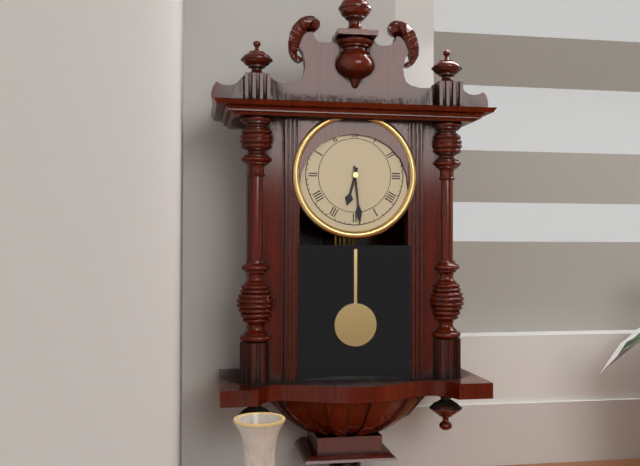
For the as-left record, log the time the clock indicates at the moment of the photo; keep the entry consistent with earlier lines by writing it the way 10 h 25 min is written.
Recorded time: 6 h 29 min
